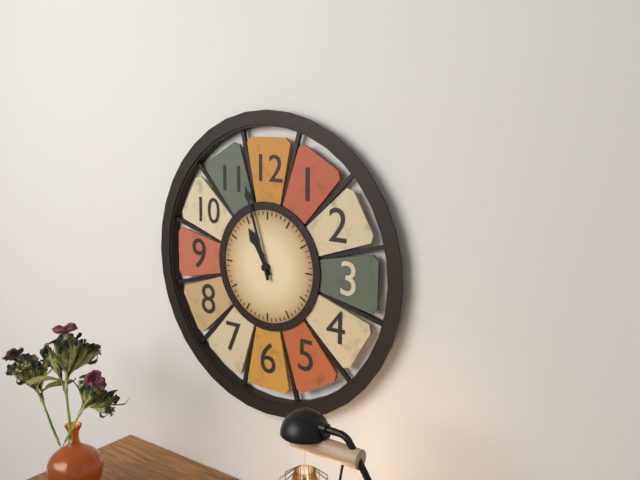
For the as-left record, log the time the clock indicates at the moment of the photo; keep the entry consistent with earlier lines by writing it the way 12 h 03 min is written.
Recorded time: 10 h 57 min
